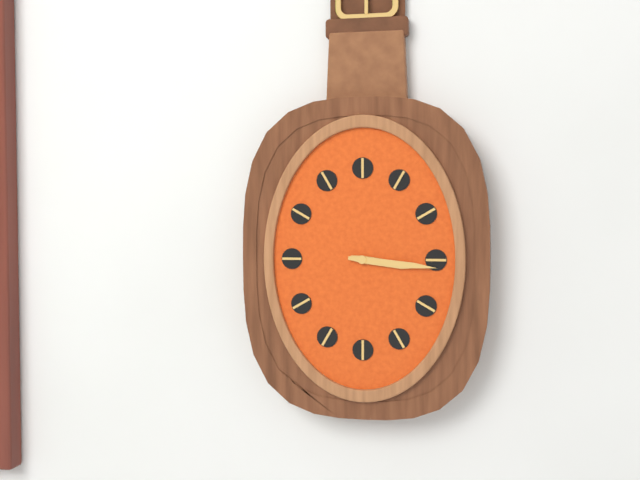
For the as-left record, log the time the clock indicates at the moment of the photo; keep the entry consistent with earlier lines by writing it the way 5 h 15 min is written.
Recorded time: 3 h 16 min
